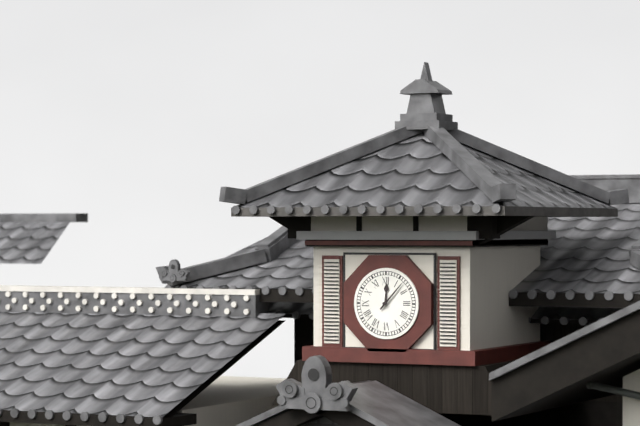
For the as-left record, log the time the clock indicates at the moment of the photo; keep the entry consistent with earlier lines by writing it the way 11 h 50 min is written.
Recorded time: 12 h 07 min
